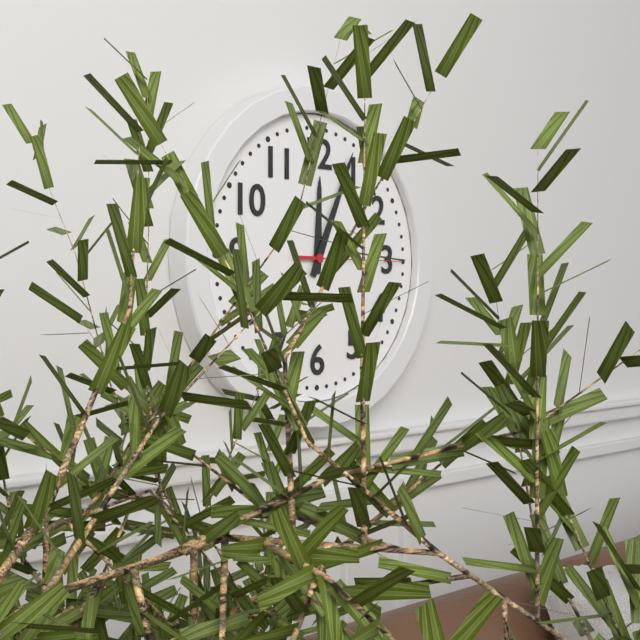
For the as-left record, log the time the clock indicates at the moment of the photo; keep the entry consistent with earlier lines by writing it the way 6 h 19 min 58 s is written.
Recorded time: 12 h 04 min 15 s
